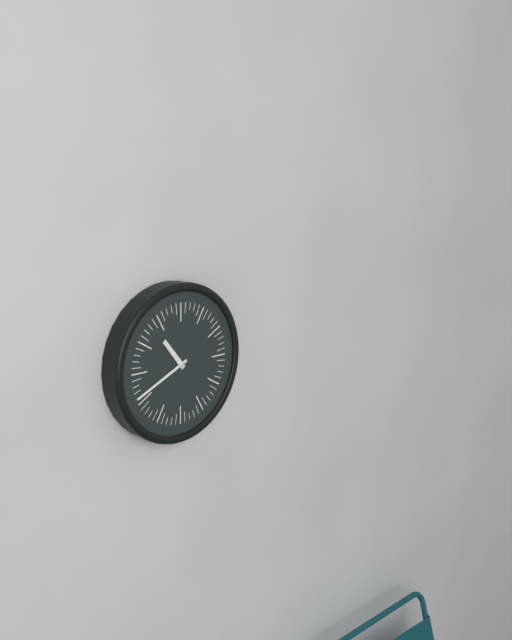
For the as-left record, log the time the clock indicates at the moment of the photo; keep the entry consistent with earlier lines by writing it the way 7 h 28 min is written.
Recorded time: 10 h 41 min
